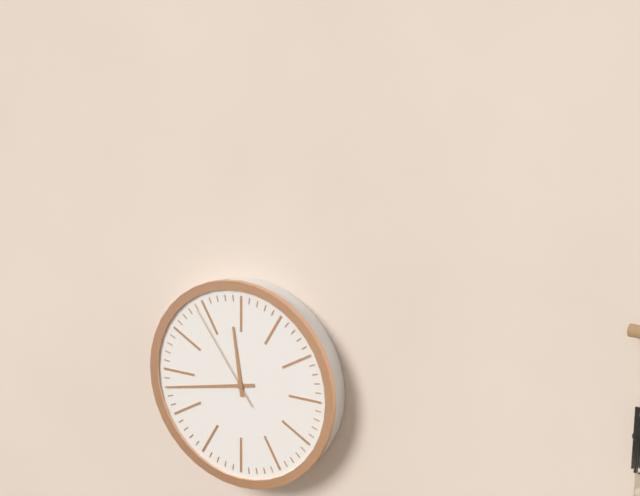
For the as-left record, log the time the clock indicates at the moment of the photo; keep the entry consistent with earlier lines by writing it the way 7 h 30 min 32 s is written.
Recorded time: 11 h 43 min 54 s
